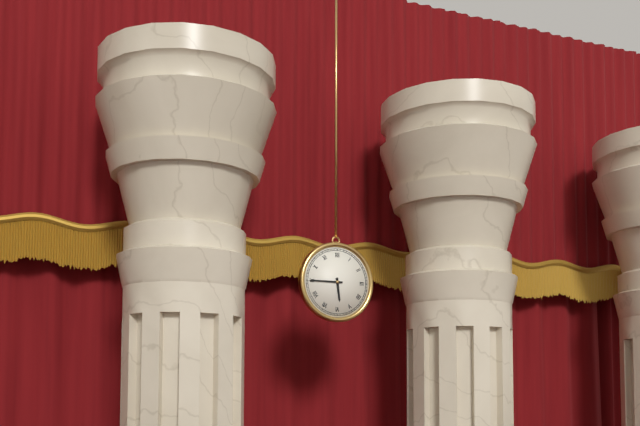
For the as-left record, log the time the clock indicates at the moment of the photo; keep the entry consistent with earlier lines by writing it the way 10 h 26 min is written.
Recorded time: 5 h 45 min
